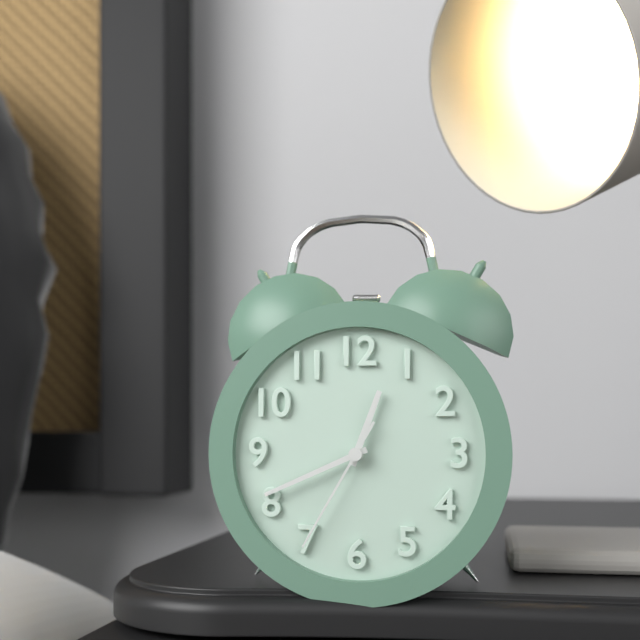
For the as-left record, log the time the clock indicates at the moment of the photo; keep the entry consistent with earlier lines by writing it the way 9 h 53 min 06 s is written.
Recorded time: 12 h 41 min 35 s
